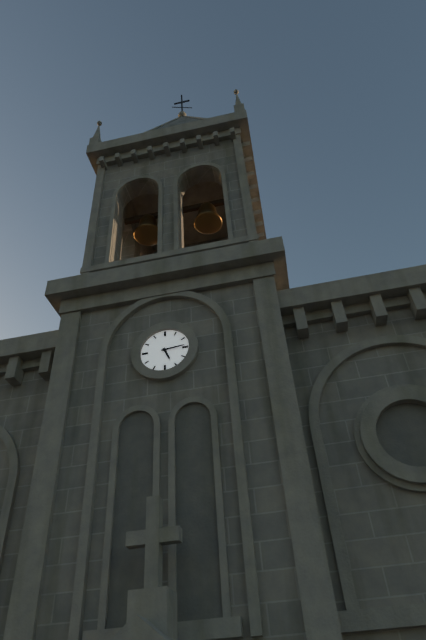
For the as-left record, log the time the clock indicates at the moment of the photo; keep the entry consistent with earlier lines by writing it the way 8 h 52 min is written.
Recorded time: 5 h 14 min
